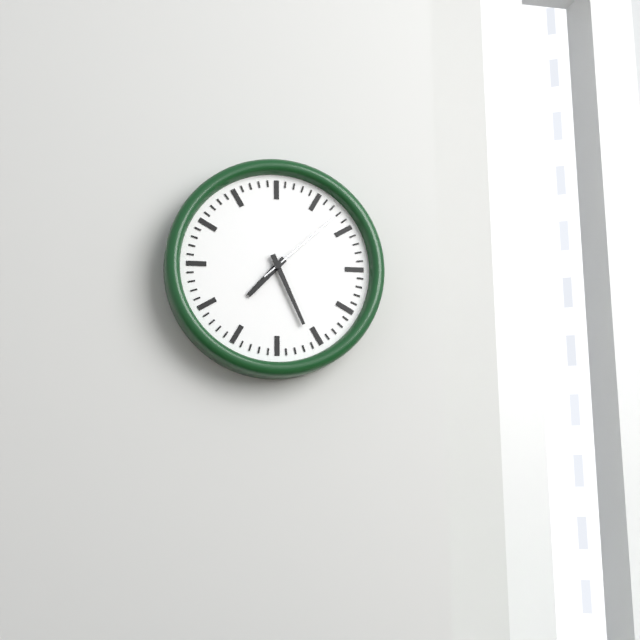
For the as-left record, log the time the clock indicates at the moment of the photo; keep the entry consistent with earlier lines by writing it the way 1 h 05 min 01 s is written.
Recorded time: 7 h 26 min 08 s
